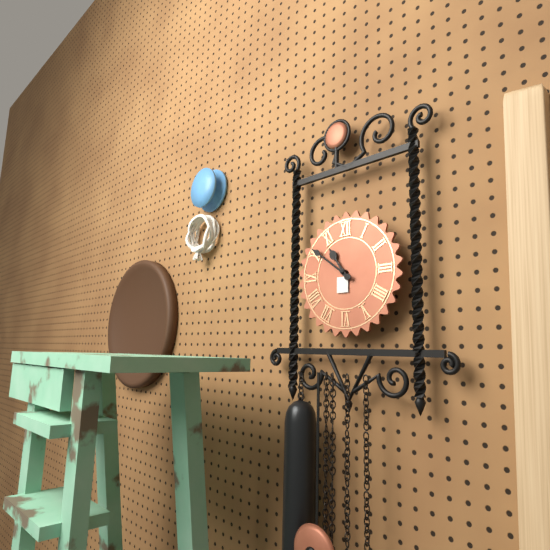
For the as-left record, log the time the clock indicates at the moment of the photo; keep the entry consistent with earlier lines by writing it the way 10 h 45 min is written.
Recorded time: 10 h 51 min
